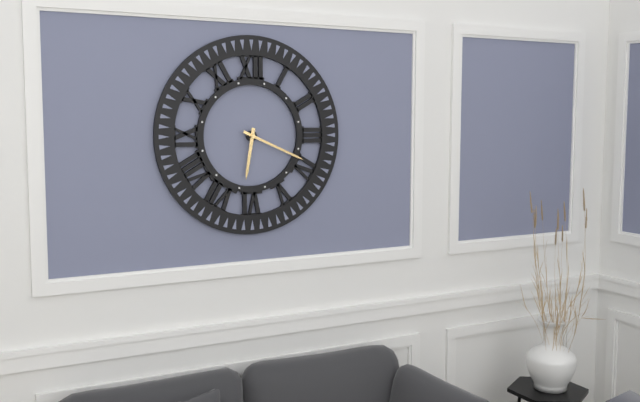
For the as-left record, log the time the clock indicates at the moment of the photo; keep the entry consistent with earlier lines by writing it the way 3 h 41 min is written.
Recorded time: 6 h 19 min
